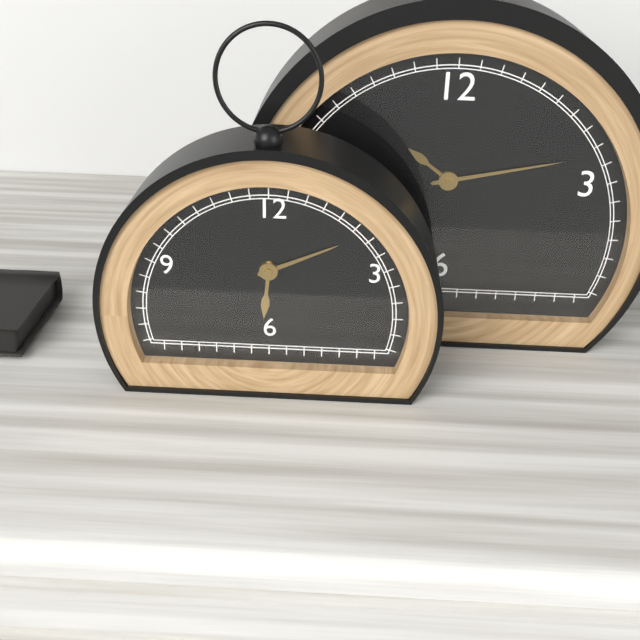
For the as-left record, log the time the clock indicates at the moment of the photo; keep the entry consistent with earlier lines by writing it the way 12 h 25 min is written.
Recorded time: 6 h 11 min
